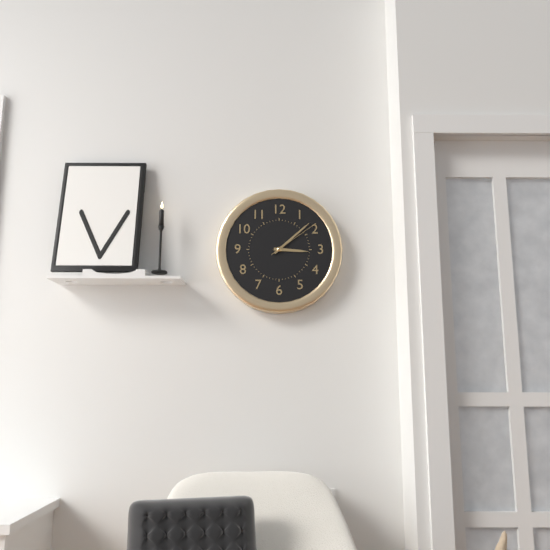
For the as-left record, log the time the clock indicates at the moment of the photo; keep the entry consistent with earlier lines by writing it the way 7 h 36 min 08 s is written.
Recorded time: 3 h 08 min 09 s
